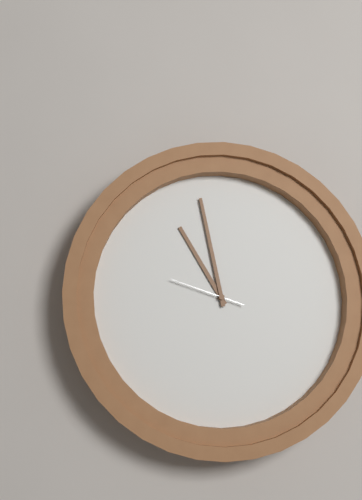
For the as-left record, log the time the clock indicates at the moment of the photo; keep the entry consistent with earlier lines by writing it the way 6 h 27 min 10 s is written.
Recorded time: 10 h 58 min 48 s
